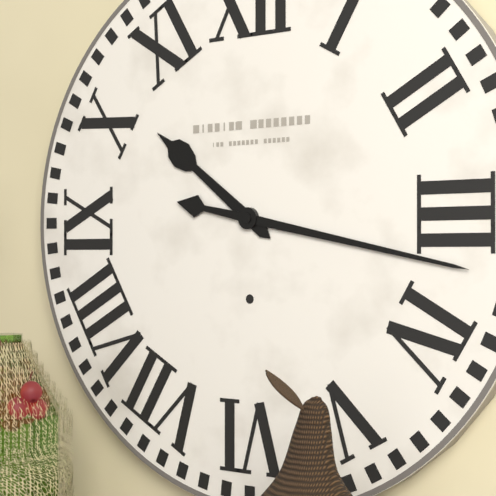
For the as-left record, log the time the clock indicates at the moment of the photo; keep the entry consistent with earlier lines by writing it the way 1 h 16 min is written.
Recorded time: 10 h 17 min
